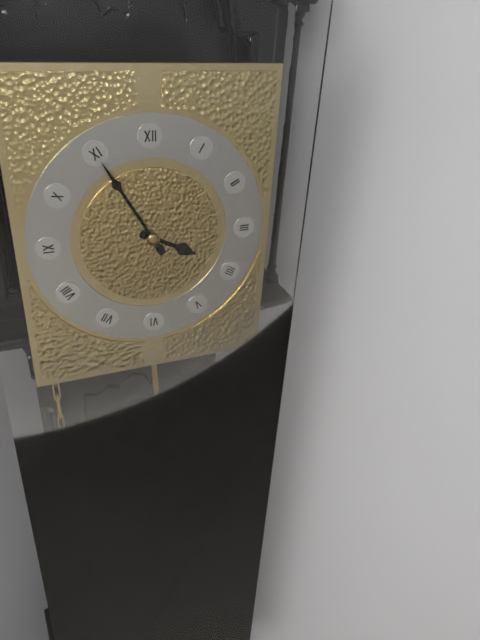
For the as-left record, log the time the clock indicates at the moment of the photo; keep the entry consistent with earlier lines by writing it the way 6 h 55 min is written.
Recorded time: 3 h 55 min
